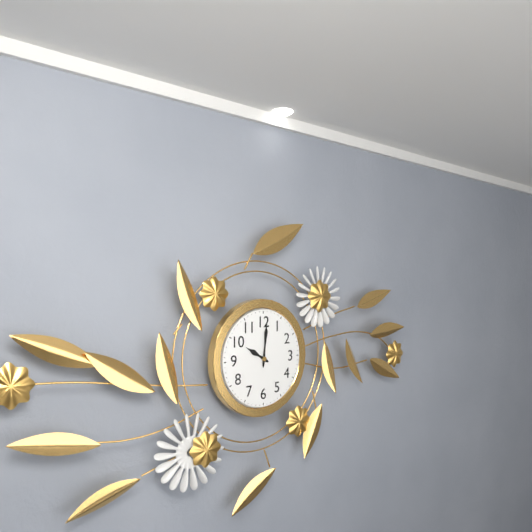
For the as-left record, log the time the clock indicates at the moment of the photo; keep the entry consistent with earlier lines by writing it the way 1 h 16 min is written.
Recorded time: 10 h 01 min
